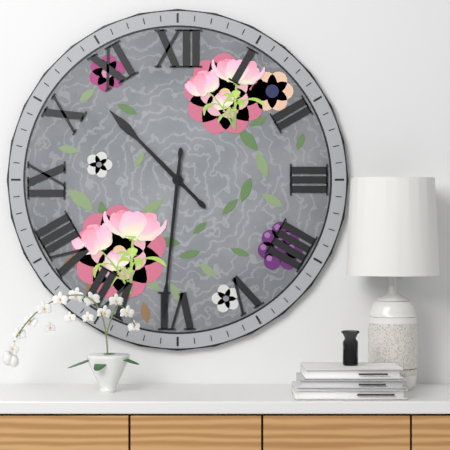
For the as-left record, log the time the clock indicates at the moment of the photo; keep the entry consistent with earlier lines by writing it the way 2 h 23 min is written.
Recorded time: 10 h 31 min
